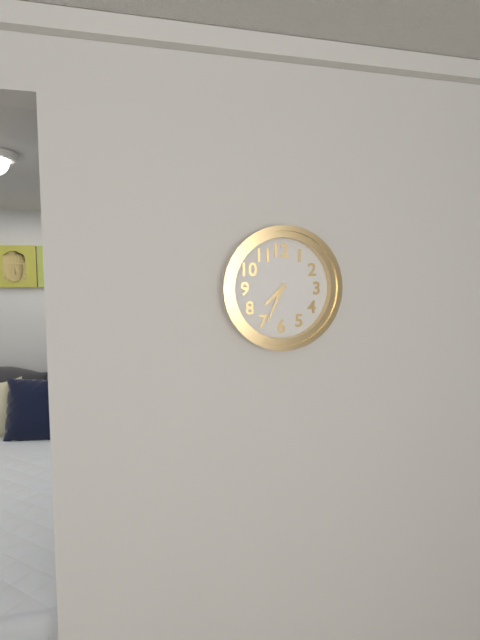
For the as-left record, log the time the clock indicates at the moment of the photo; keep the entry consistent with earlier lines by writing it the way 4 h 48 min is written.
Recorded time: 7 h 34 min
